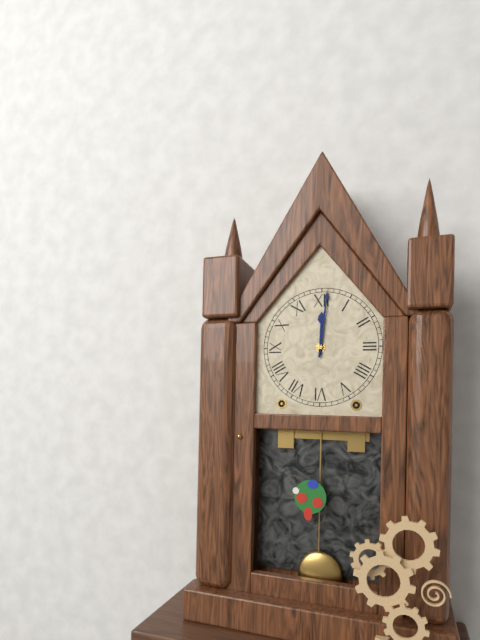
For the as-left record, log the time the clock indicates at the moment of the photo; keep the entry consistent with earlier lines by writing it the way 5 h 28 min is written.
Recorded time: 12 h 01 min
